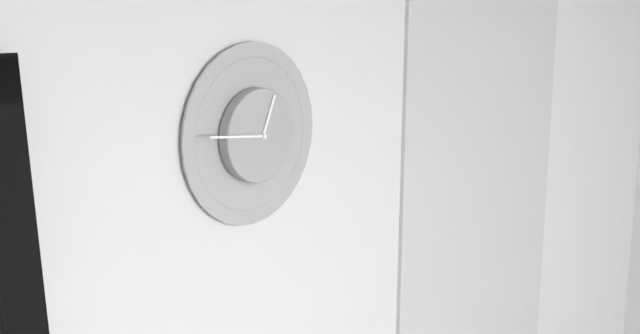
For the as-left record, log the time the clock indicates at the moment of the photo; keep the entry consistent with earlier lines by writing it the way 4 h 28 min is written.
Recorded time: 12 h 46 min
